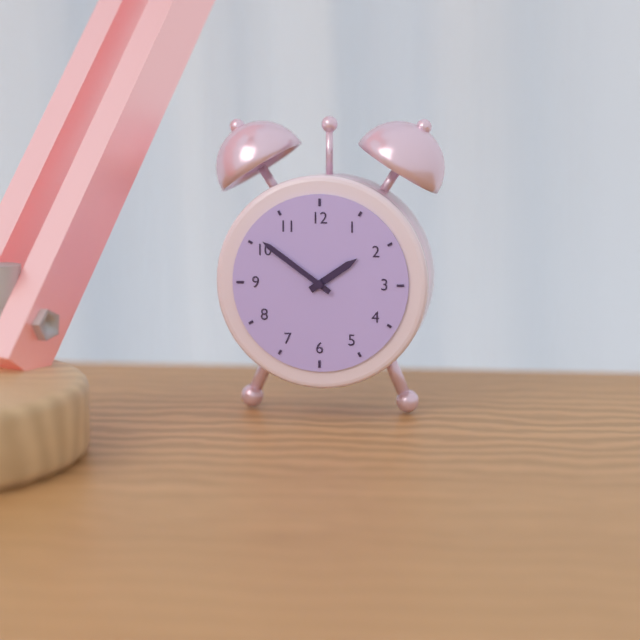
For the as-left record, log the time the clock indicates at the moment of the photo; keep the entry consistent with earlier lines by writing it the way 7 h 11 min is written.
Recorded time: 1 h 51 min
